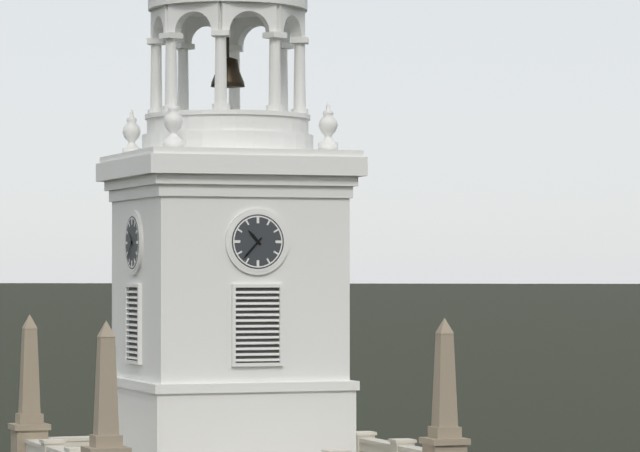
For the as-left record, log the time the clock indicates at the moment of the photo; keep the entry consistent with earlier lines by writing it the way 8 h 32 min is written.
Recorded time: 10 h 37 min
